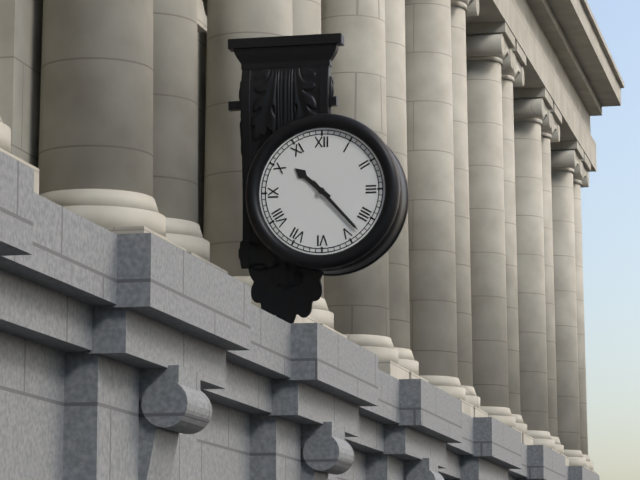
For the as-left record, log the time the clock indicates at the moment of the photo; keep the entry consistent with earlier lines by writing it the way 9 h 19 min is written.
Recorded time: 10 h 23 min
